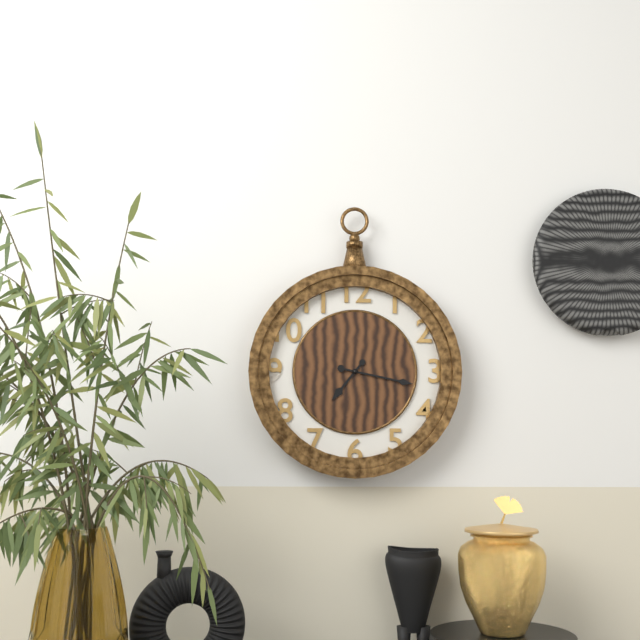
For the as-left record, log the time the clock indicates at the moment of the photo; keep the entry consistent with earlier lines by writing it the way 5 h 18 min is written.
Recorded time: 7 h 17 min
